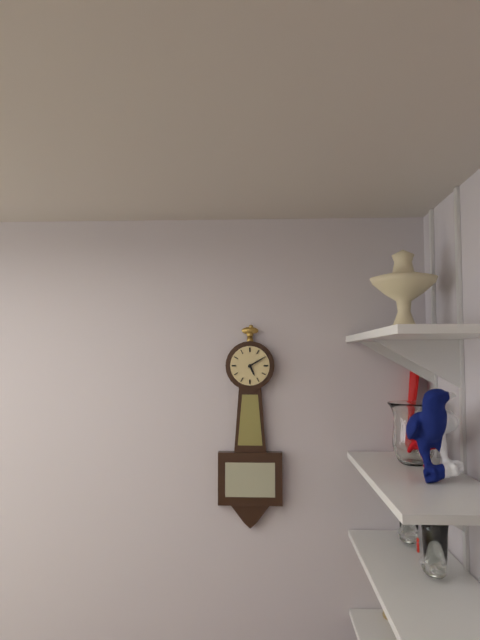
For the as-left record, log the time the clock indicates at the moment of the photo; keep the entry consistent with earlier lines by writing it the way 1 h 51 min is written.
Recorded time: 5 h 10 min
